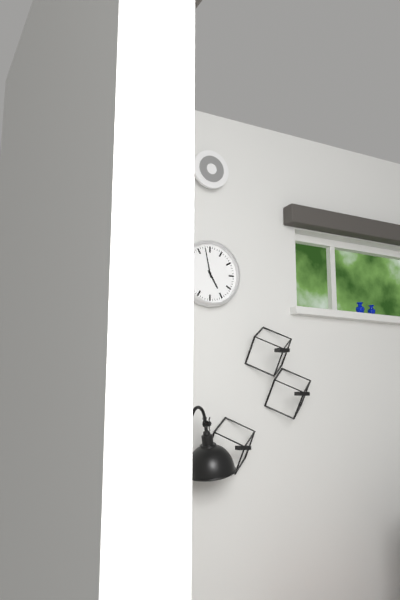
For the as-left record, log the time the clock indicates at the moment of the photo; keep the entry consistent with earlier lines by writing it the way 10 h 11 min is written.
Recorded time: 4 h 58 min
